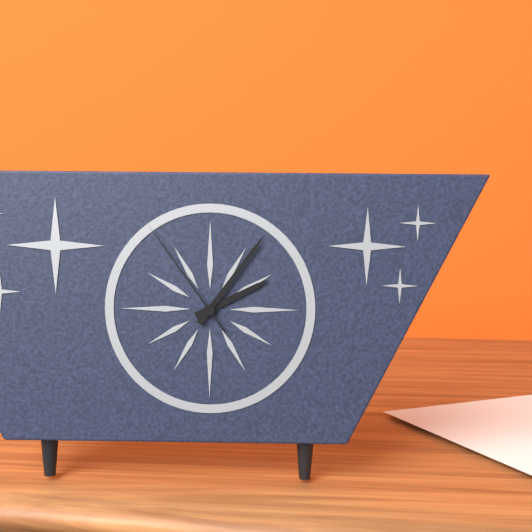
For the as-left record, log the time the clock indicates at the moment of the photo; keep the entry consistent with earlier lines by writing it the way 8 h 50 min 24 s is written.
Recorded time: 2 h 06 min 54 s
